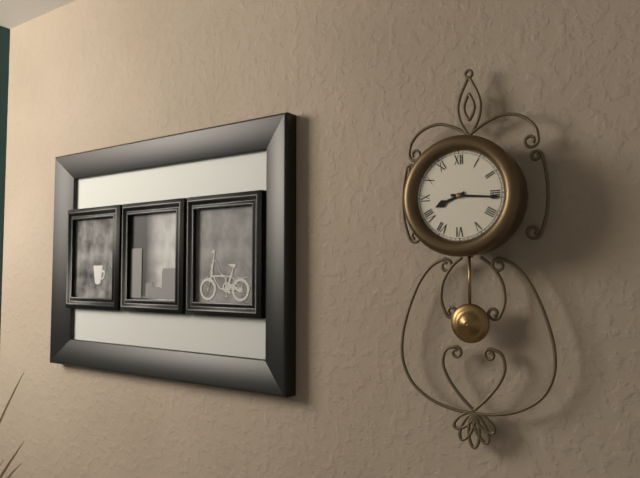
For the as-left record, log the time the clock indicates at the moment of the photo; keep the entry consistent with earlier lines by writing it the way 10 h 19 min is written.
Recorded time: 8 h 16 min
